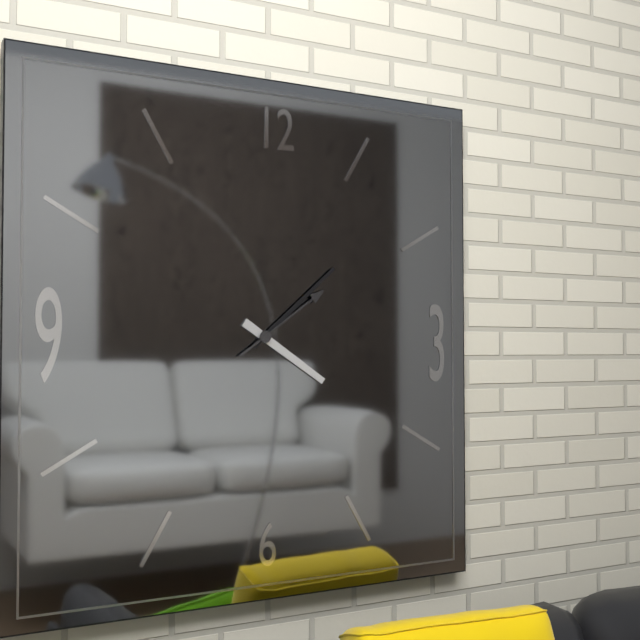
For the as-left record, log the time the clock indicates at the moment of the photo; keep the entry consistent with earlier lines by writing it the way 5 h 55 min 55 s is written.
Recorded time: 4 h 08 min 09 s
